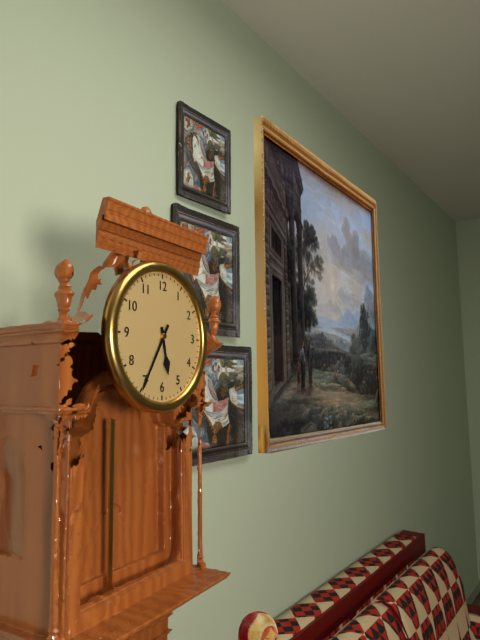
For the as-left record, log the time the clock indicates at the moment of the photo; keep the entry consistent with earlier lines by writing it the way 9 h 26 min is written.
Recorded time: 5 h 35 min
